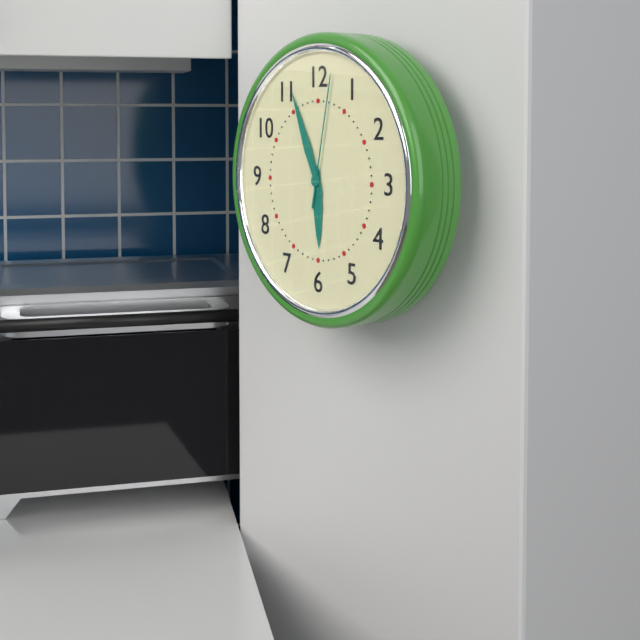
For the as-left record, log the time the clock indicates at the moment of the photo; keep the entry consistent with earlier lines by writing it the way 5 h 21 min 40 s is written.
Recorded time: 5 h 56 min 02 s
